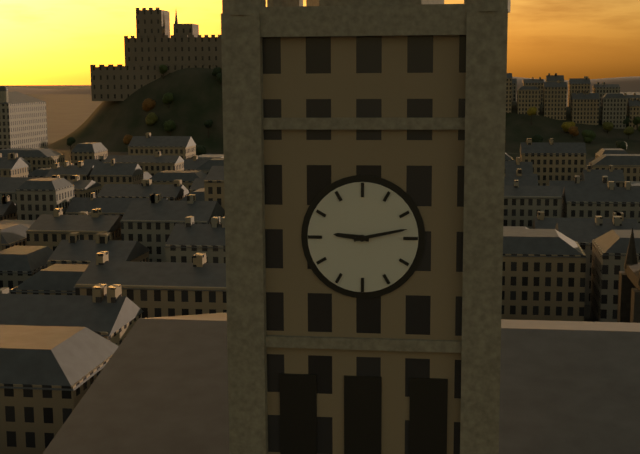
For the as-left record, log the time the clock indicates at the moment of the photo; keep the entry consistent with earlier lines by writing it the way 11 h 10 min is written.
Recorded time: 9 h 13 min
